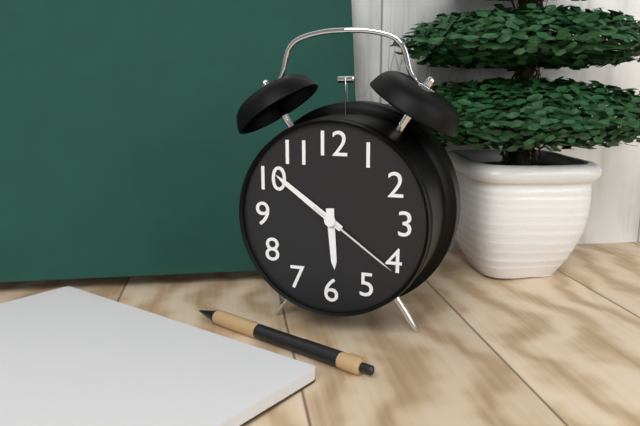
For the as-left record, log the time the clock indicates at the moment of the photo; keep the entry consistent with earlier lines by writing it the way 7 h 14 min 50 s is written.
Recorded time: 5 h 51 min 21 s
